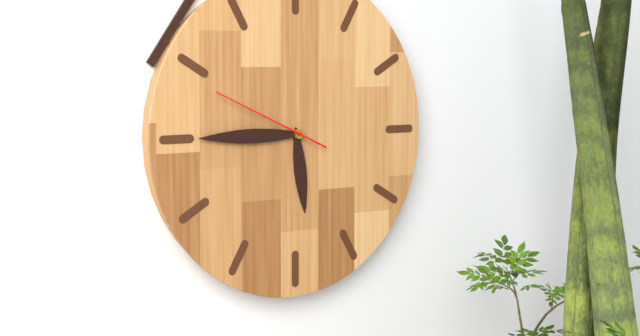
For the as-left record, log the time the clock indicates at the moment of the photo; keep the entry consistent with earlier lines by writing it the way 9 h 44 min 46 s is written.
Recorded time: 5 h 45 min 49 s
